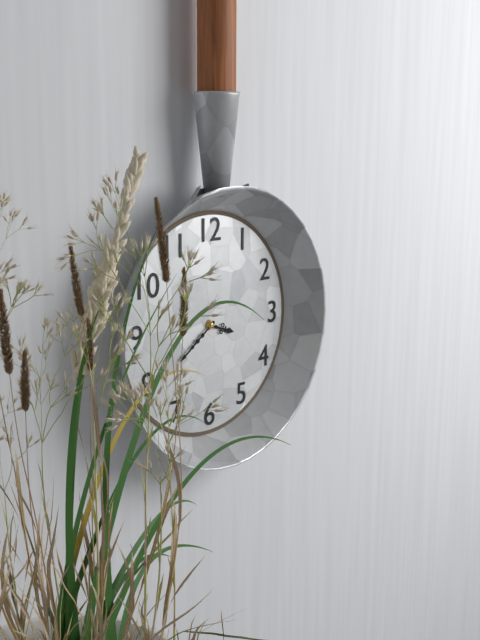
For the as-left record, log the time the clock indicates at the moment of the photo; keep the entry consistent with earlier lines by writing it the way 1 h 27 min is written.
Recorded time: 3 h 39 min
